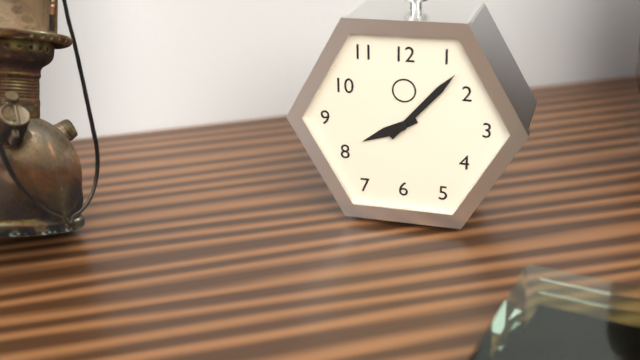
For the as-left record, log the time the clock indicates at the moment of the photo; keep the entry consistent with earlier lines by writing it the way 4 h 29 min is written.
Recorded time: 8 h 07 min
